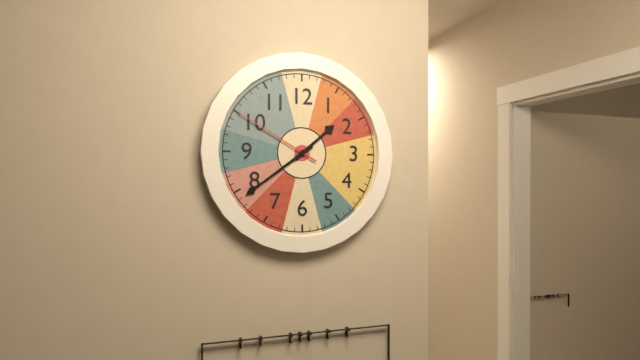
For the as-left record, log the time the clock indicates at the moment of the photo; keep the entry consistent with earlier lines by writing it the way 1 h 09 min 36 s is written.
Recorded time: 1 h 39 min 50 s
